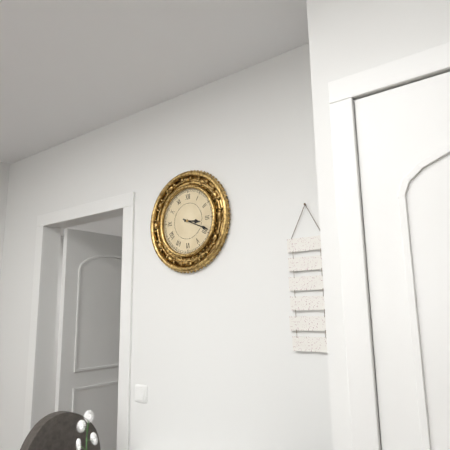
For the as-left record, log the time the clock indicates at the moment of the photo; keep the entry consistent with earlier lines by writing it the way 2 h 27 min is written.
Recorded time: 3 h 19 min
